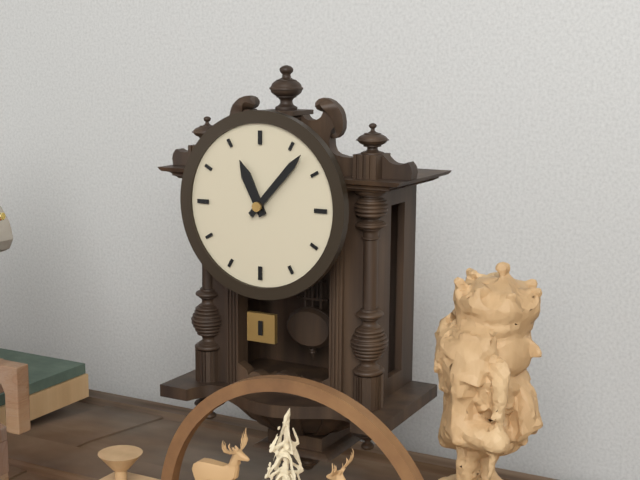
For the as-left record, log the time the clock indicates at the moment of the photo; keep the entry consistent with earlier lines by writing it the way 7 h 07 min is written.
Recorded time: 11 h 07 min
